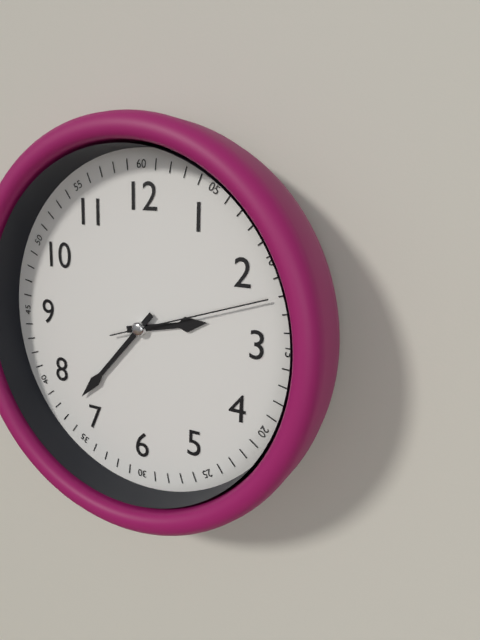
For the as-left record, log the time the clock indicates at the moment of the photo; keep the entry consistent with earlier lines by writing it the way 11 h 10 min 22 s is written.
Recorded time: 2 h 37 min 12 s
